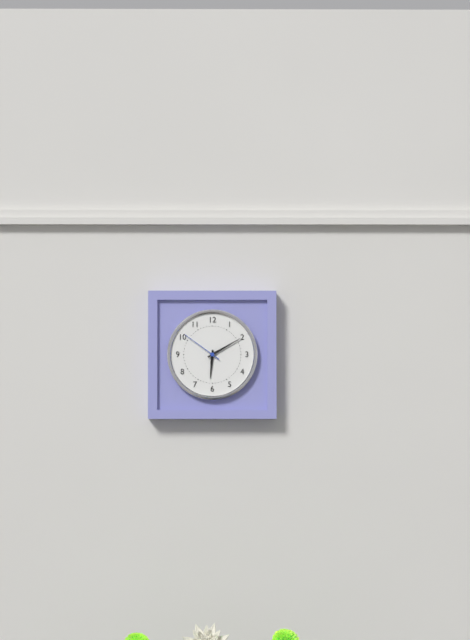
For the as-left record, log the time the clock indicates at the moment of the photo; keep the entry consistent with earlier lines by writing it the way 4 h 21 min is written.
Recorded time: 6 h 10 min
